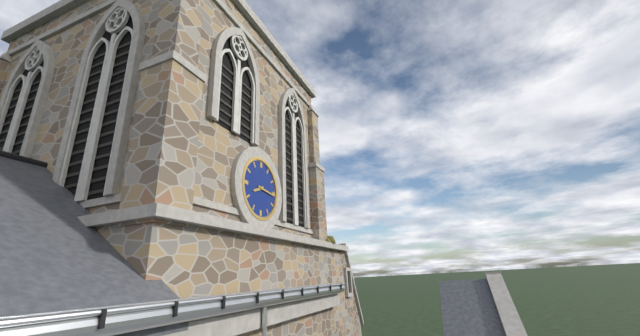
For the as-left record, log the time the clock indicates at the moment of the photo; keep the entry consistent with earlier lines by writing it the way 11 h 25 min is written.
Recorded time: 8 h 16 min
